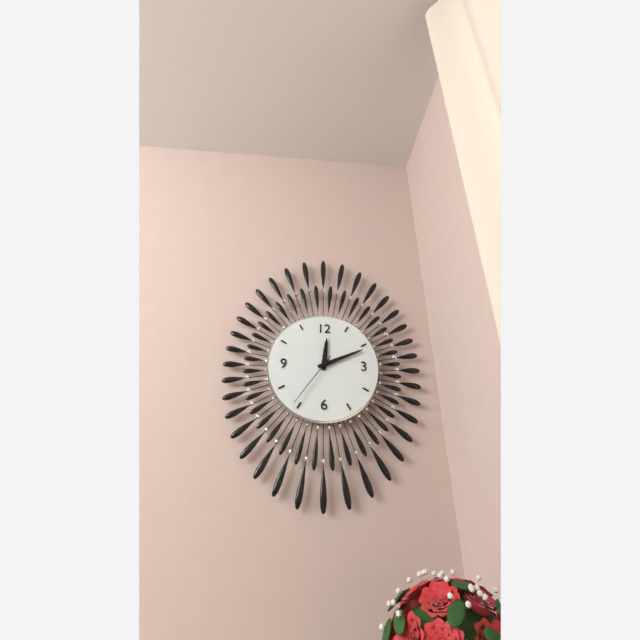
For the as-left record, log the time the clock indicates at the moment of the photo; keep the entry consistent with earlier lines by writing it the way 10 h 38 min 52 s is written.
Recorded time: 12 h 11 min 36 s
